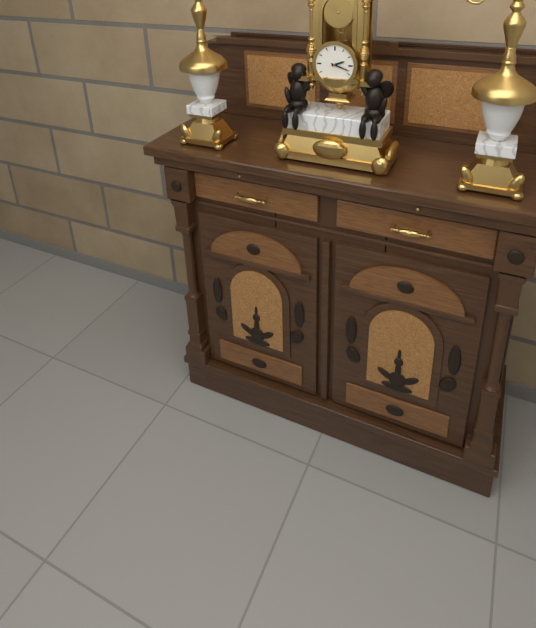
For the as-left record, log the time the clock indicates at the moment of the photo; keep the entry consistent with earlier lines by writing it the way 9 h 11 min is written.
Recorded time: 2 h 18 min
